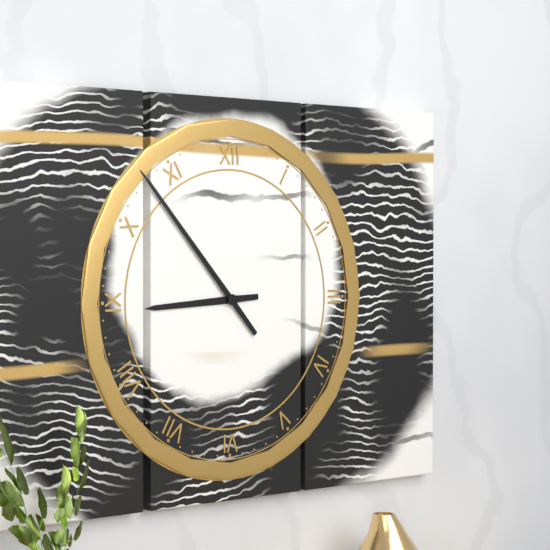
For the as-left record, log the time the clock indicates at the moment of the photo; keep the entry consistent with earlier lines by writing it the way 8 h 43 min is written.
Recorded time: 8 h 53 min
